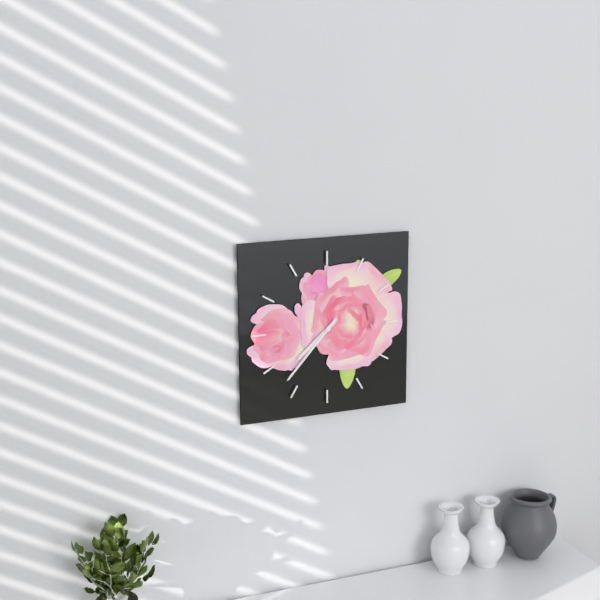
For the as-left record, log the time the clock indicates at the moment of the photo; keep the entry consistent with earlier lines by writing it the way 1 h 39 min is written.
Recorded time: 7 h 37 min
